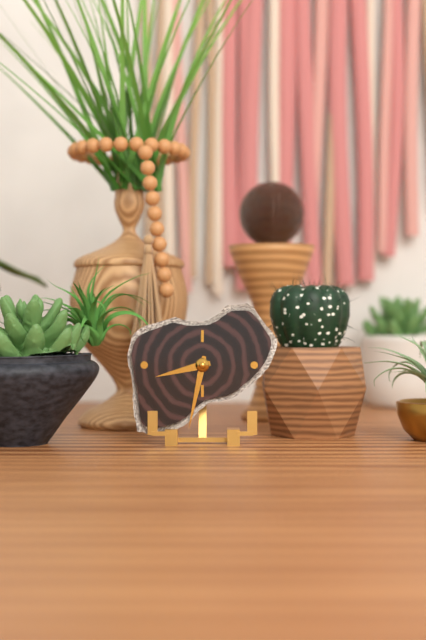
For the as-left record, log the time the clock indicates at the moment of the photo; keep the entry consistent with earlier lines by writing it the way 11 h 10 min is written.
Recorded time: 8 h 32 min
